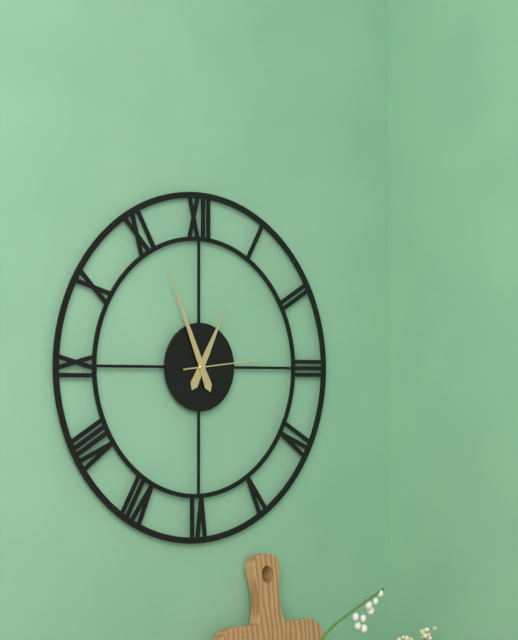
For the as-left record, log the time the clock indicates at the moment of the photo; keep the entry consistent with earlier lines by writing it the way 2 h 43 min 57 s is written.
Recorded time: 12 h 56 min 14 s
